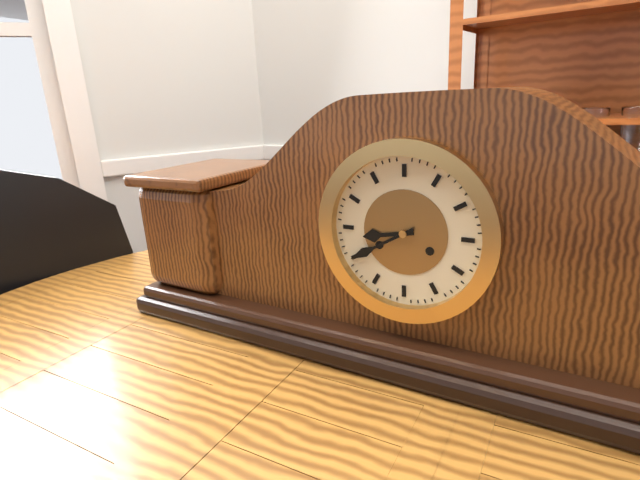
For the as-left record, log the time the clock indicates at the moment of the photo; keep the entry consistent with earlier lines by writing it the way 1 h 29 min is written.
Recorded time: 8 h 40 min
